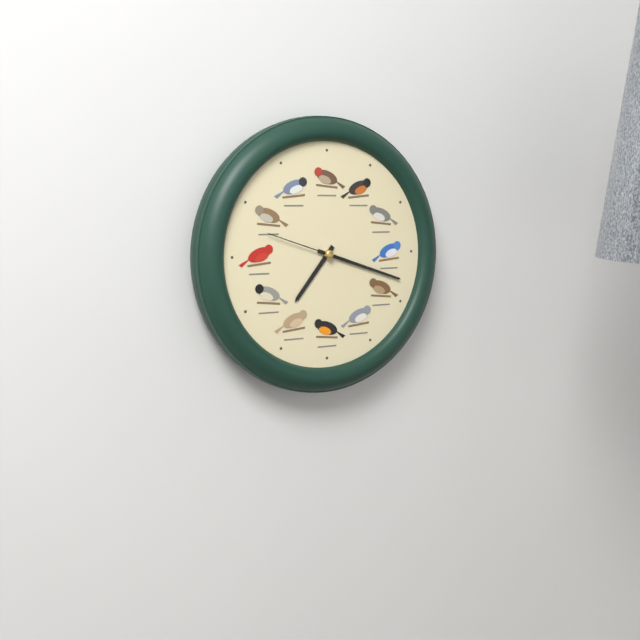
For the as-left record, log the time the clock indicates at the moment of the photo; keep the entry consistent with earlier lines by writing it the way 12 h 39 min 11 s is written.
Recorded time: 7 h 18 min 48 s
